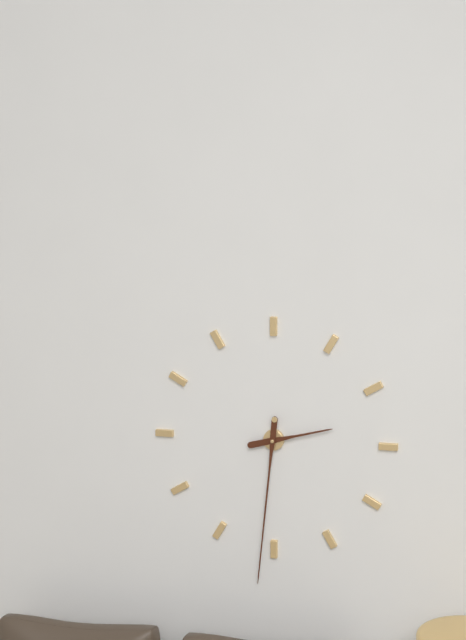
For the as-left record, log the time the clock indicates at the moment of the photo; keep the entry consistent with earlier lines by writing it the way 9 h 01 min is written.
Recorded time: 2 h 31 min
